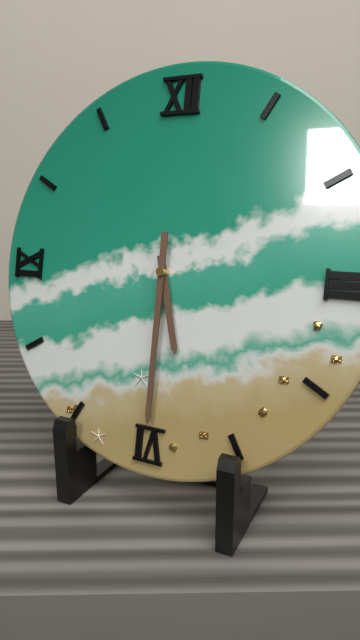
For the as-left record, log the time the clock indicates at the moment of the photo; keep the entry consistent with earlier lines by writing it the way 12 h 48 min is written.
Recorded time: 5 h 30 min
